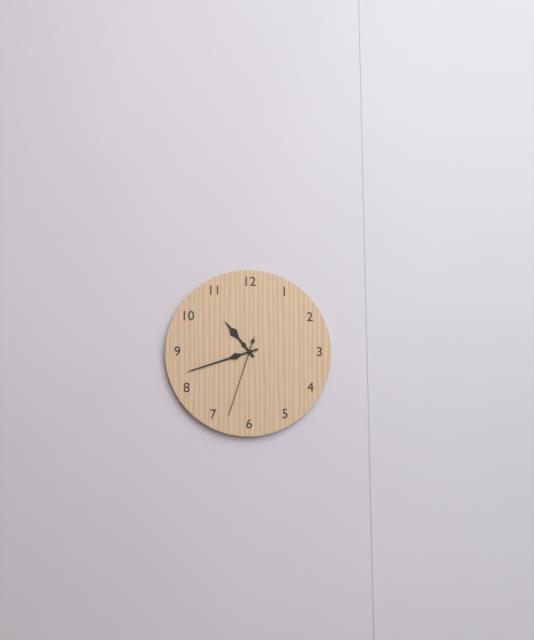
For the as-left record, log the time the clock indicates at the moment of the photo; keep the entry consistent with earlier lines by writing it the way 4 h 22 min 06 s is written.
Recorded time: 10 h 42 min 33 s
